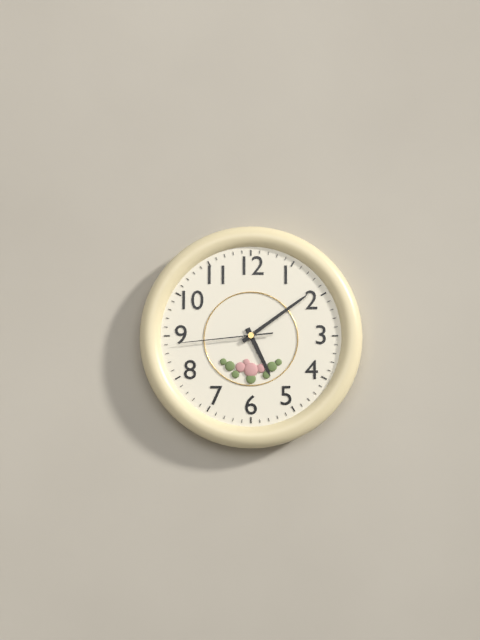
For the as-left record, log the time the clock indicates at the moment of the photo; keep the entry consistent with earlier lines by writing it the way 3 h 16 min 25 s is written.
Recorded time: 5 h 09 min 44 s
